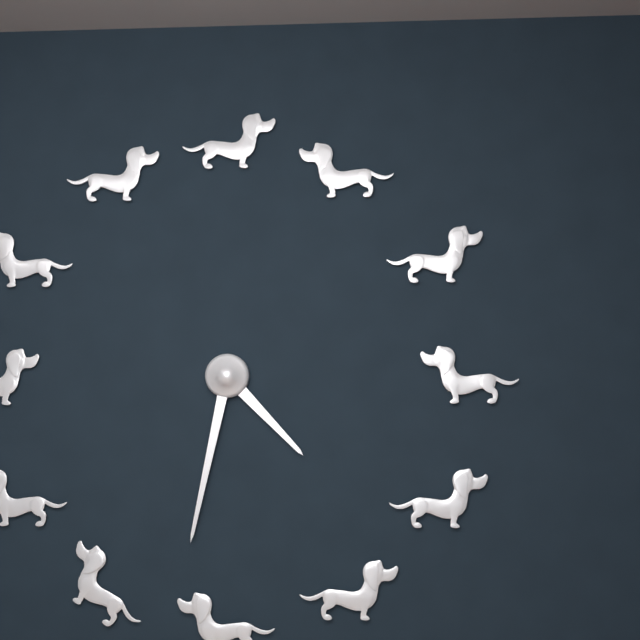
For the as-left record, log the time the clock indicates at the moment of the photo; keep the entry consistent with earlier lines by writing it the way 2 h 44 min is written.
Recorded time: 4 h 32 min
